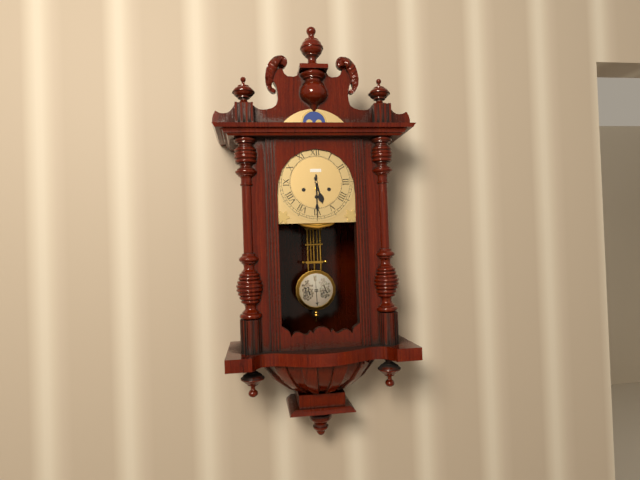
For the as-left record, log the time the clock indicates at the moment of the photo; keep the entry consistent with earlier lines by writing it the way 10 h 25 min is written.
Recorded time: 5 h 30 min
